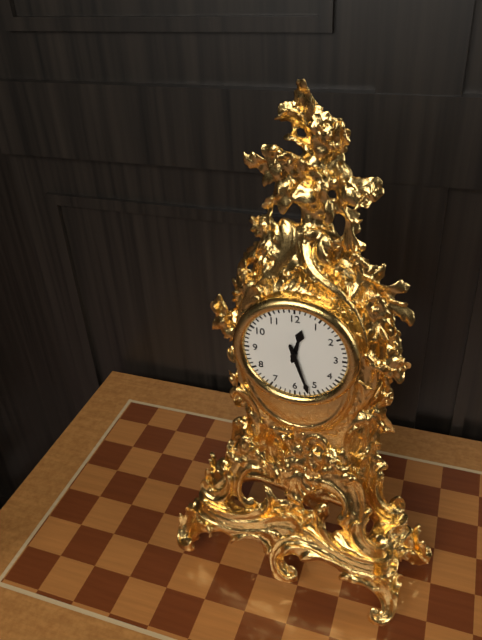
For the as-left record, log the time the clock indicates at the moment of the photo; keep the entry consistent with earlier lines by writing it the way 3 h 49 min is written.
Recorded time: 12 h 27 min
